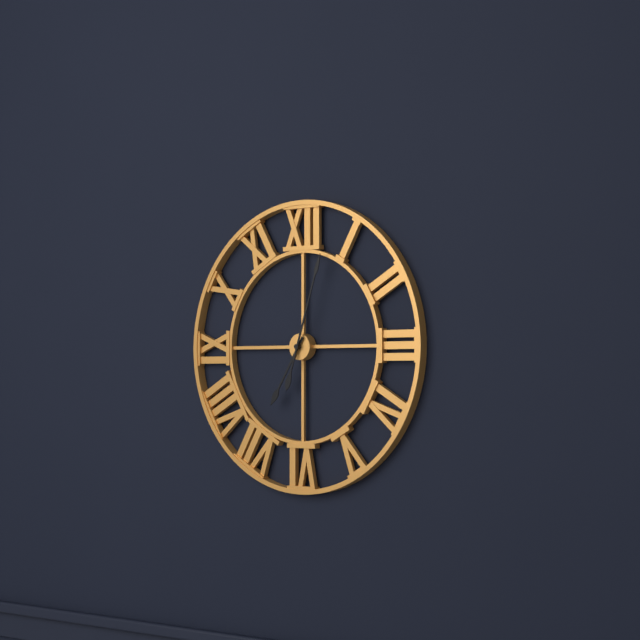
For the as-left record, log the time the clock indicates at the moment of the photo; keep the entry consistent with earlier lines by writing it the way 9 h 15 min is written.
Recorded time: 7 h 03 min
